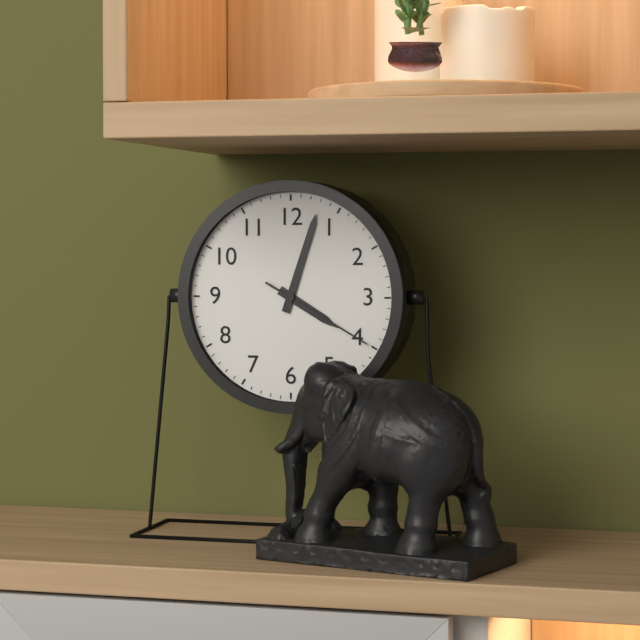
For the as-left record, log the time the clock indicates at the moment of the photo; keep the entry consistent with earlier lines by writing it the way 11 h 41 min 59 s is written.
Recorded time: 4 h 03 min 20 s
